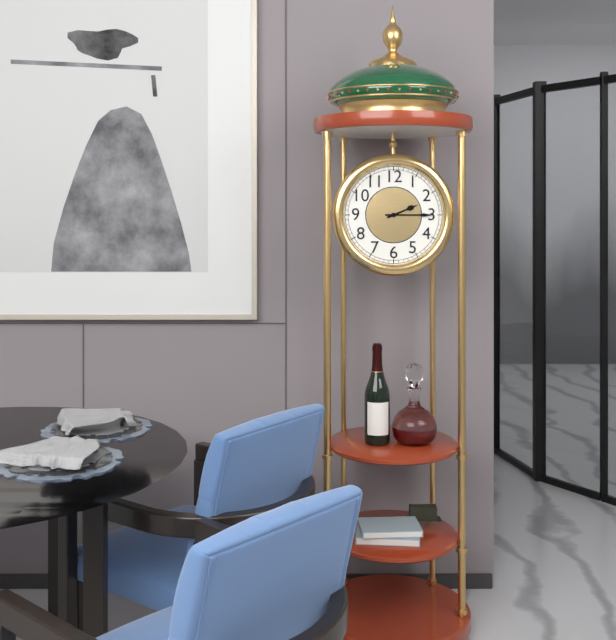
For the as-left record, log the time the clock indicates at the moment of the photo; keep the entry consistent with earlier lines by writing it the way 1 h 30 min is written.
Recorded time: 2 h 15 min
